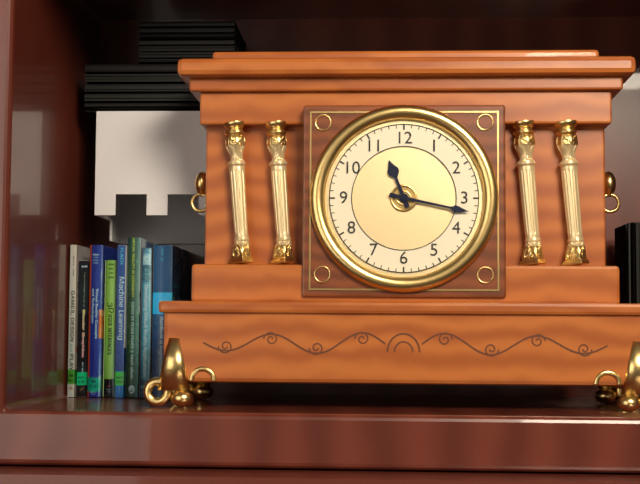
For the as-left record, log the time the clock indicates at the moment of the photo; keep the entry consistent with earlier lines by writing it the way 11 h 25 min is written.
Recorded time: 11 h 17 min
